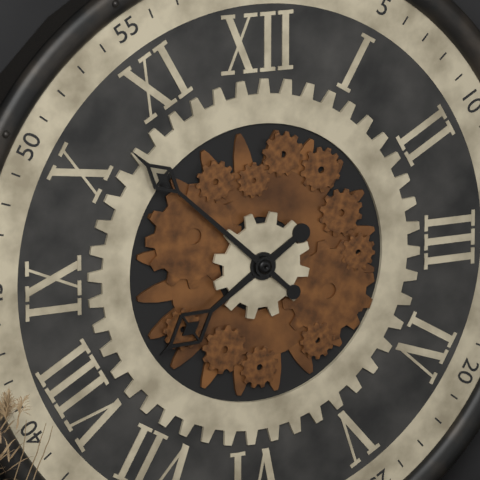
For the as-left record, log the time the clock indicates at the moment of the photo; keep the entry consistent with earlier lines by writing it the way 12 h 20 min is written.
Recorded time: 7 h 52 min
